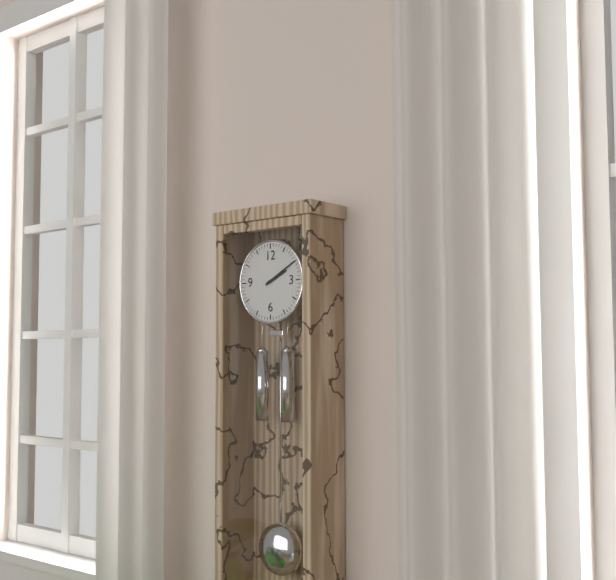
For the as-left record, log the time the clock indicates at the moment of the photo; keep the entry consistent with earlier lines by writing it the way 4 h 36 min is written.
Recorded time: 2 h 10 min
